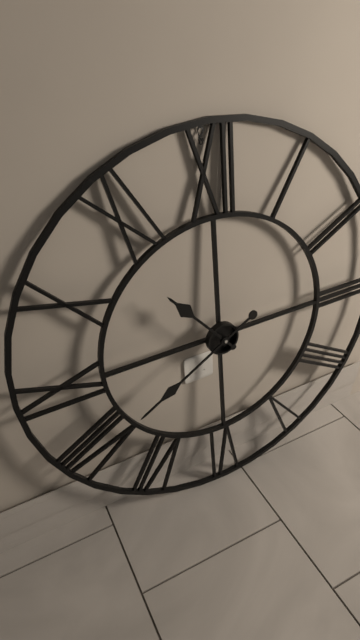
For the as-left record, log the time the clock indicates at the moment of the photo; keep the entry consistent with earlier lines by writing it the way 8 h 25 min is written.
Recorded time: 10 h 40 min
